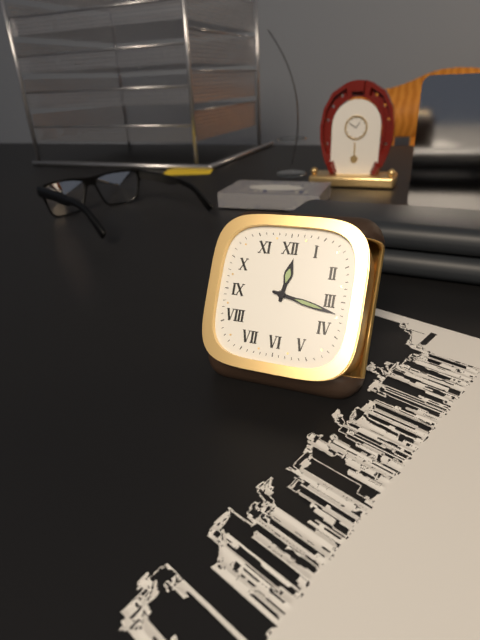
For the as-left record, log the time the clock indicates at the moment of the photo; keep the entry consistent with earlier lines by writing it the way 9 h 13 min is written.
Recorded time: 12 h 17 min
